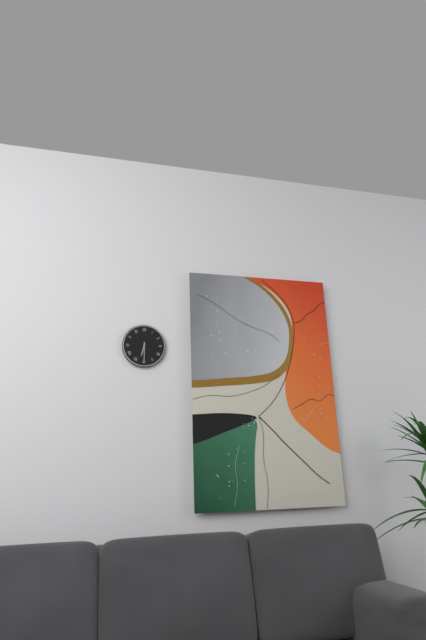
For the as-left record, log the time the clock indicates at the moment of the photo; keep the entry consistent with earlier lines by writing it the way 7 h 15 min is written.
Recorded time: 6 h 30 min
